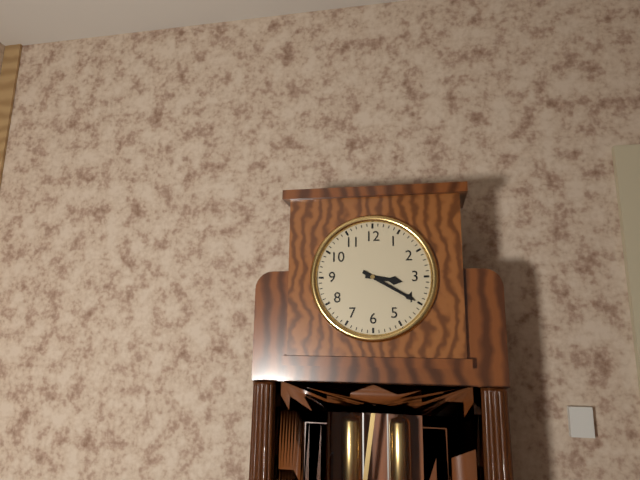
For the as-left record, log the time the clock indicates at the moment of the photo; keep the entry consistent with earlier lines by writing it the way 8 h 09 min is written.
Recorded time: 3 h 20 min
